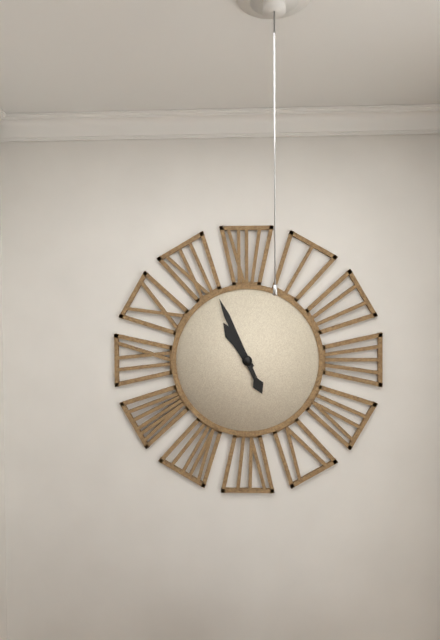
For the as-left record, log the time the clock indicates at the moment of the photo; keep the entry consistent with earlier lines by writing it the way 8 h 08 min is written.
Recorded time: 10 h 56 min
